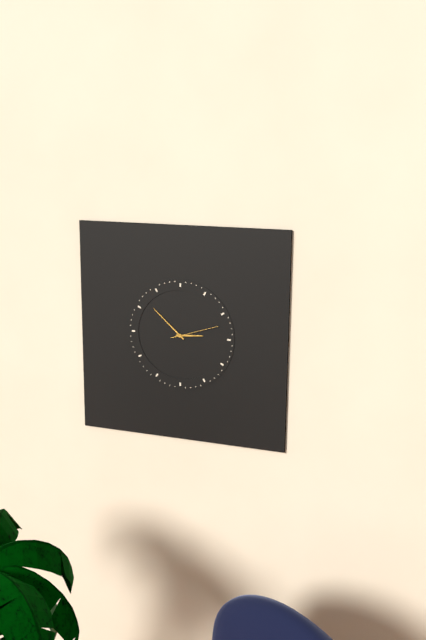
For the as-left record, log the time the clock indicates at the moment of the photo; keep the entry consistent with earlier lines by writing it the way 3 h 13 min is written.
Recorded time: 2 h 52 min
